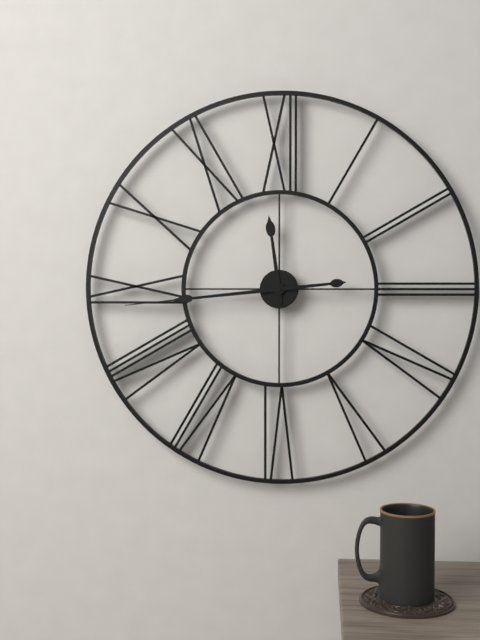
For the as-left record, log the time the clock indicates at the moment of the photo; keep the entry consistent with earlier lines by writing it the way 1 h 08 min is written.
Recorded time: 11 h 44 min
